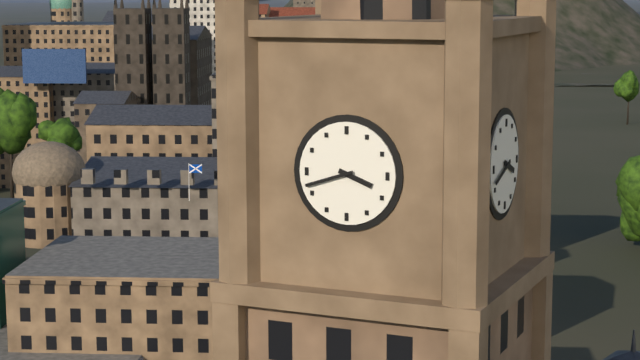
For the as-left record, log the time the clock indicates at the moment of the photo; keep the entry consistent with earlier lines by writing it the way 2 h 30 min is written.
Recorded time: 3 h 42 min
